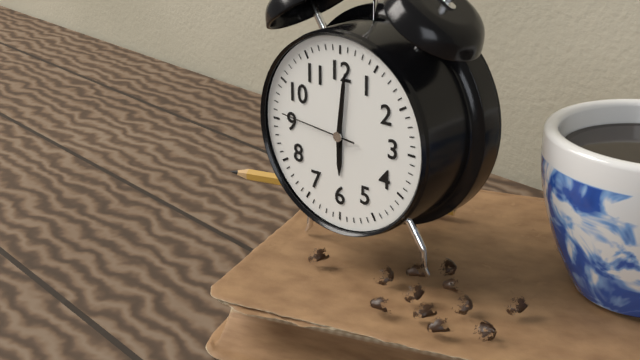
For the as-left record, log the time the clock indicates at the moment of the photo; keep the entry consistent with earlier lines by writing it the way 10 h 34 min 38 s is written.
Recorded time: 6 h 01 min 46 s
